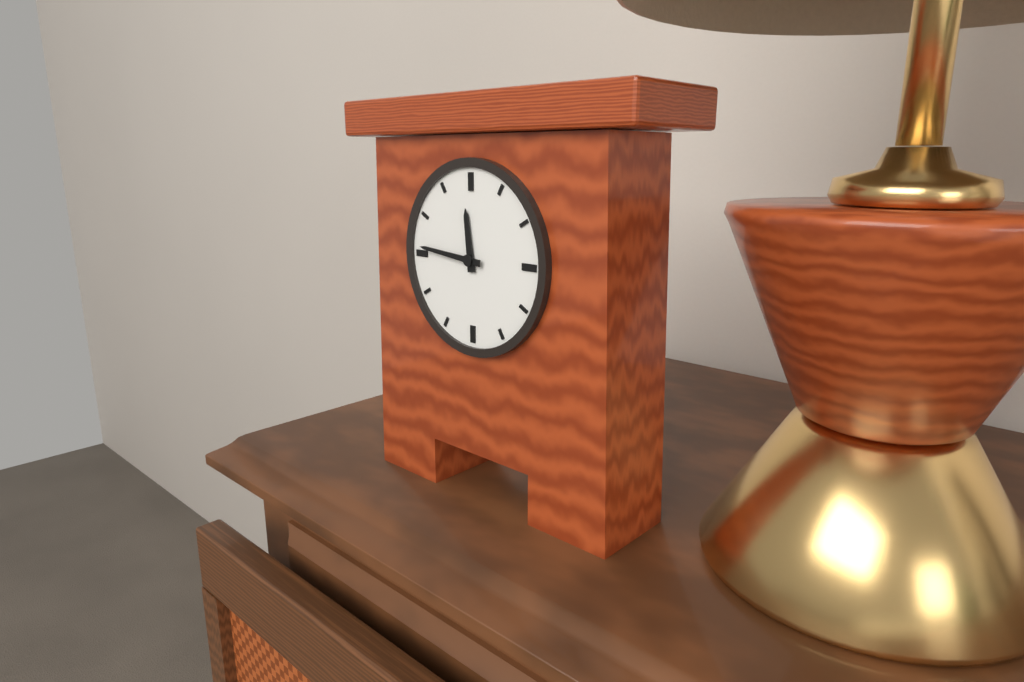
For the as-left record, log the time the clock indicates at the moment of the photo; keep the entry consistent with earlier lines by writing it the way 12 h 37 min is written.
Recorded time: 11 h 46 min
